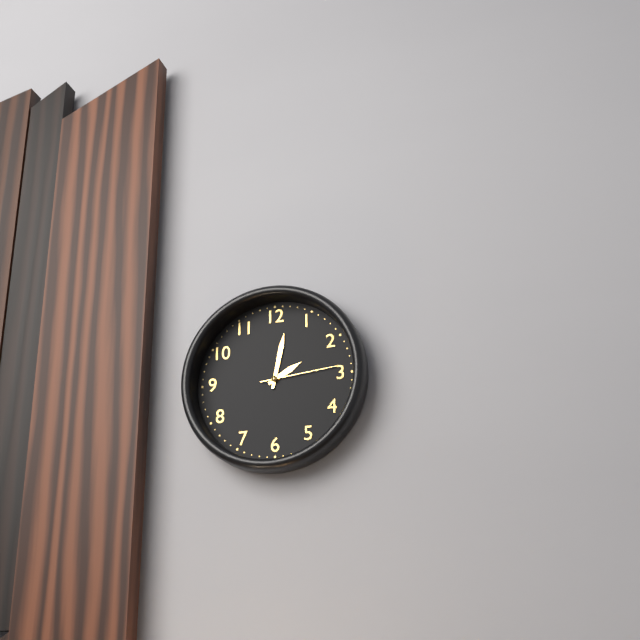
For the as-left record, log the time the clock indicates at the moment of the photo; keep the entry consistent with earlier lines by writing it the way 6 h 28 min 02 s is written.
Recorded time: 2 h 02 min 14 s
